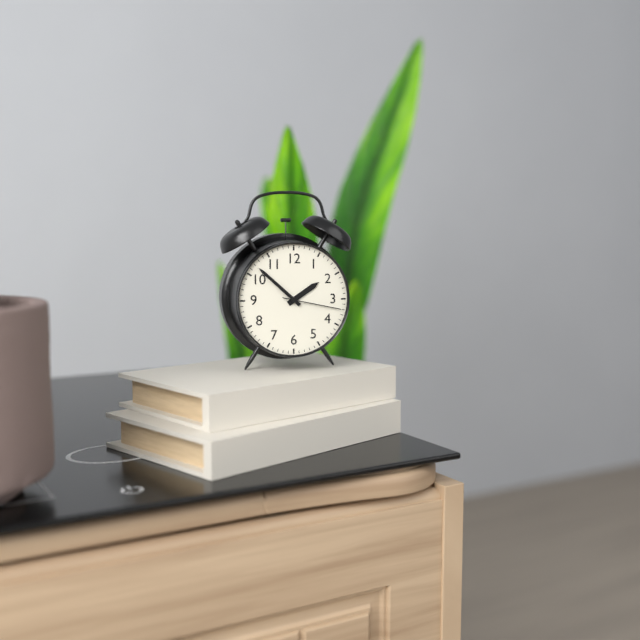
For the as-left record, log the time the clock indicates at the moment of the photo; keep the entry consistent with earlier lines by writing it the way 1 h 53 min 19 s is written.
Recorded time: 1 h 52 min 17 s
